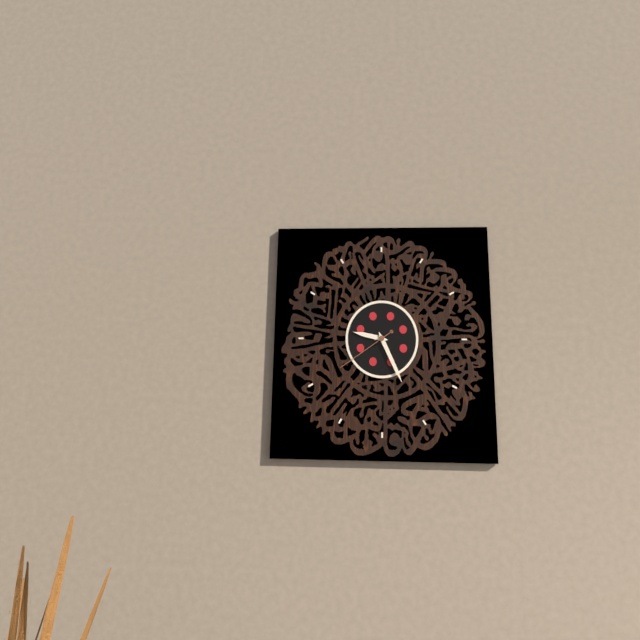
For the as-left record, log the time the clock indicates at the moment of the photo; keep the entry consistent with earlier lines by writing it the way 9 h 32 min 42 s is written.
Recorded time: 9 h 26 min 39 s
